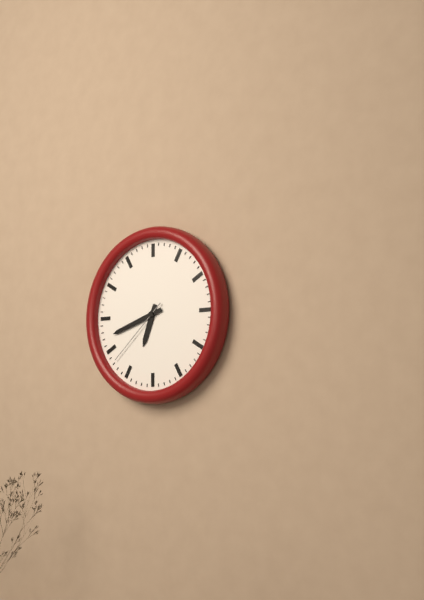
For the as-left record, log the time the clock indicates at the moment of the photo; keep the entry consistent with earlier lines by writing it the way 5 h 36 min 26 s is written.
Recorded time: 6 h 42 min 38 s
